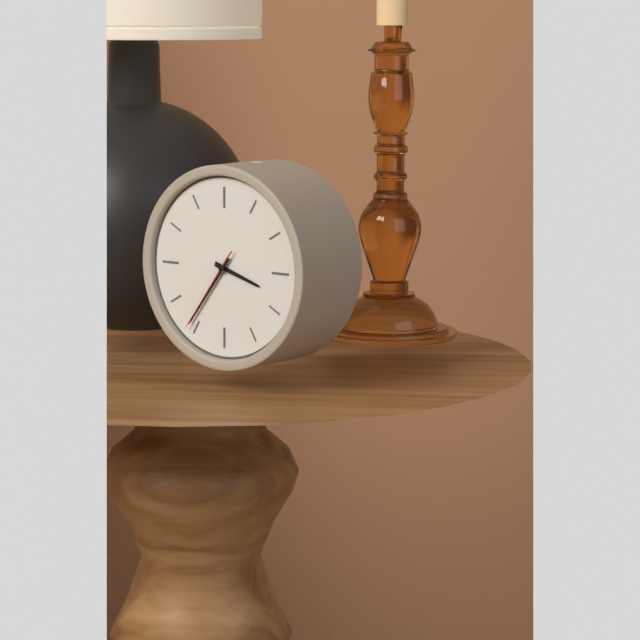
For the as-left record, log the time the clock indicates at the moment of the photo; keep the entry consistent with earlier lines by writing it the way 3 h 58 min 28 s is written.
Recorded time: 3 h 36 min 36 s
